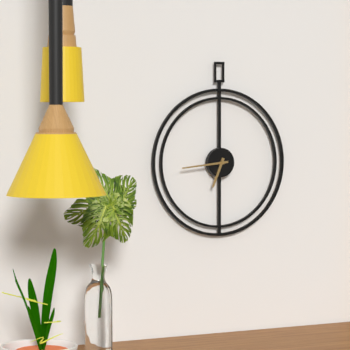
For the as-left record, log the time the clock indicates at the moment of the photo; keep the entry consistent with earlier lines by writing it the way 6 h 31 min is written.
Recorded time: 6 h 44 min
